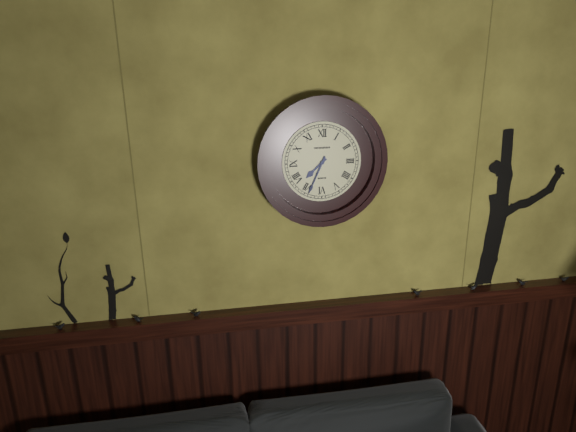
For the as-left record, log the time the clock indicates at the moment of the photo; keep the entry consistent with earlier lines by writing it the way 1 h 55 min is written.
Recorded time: 7 h 34 min
